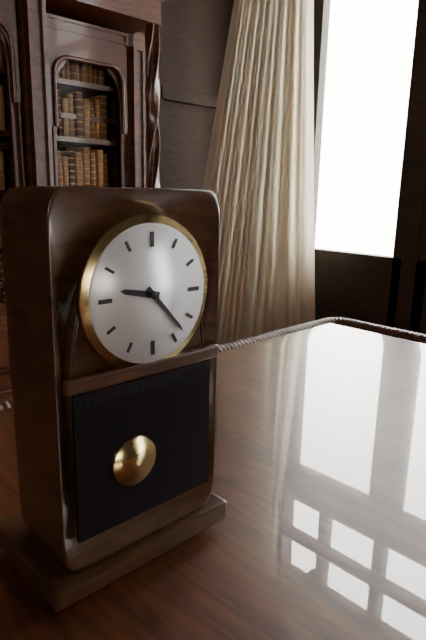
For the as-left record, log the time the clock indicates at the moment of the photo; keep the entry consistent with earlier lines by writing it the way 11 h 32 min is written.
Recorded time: 9 h 23 min
